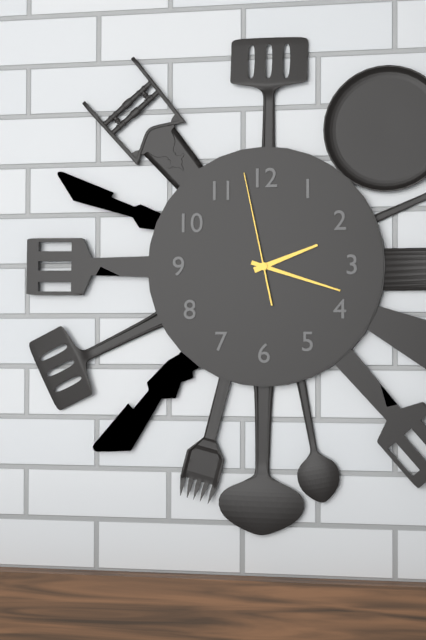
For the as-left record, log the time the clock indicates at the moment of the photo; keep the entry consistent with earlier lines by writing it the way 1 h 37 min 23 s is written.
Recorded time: 2 h 18 min 58 s
